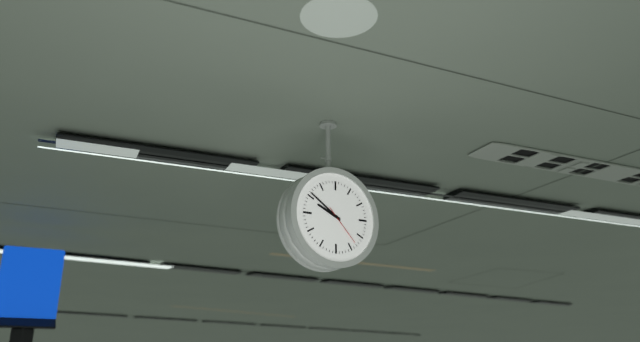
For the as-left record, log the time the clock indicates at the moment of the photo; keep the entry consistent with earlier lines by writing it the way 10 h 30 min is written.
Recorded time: 9 h 51 min
